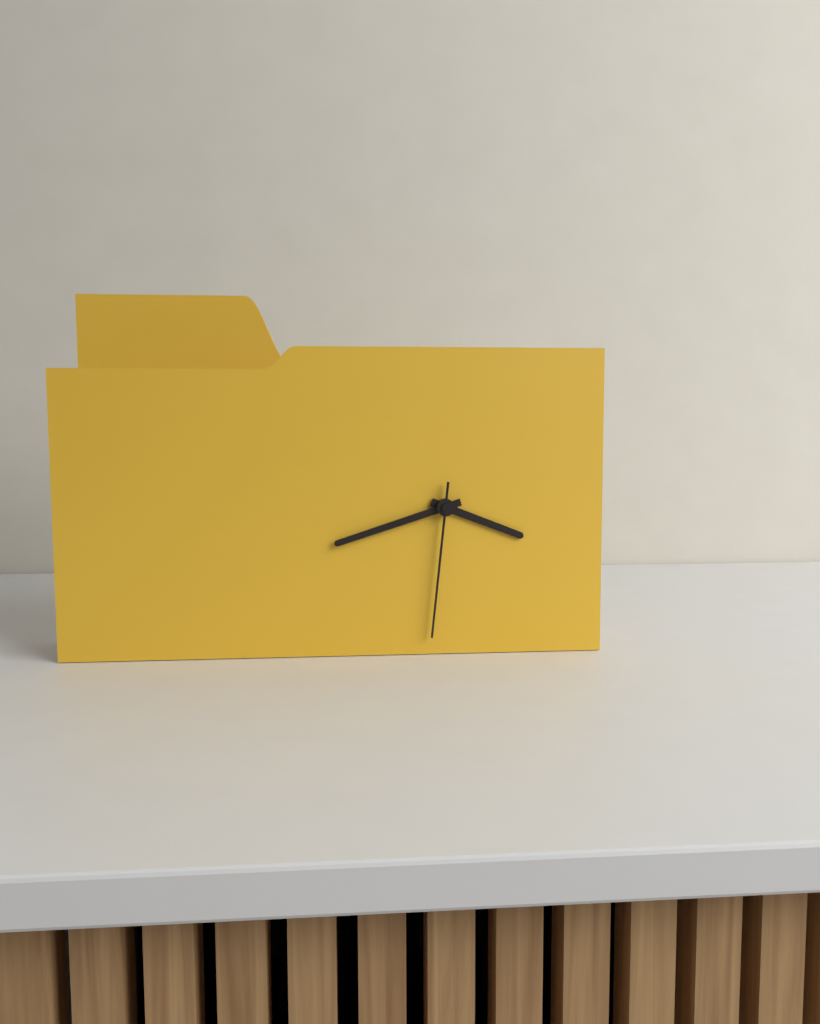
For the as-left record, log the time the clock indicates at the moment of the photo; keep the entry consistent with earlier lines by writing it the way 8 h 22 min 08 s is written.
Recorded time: 3 h 42 min 31 s
